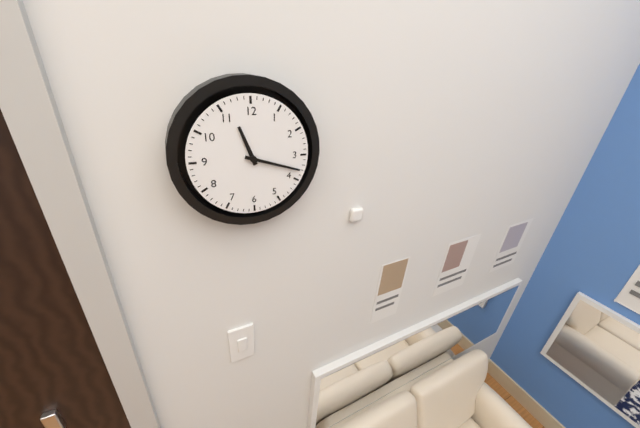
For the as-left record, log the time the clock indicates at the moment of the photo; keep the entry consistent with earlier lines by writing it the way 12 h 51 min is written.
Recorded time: 11 h 18 min
